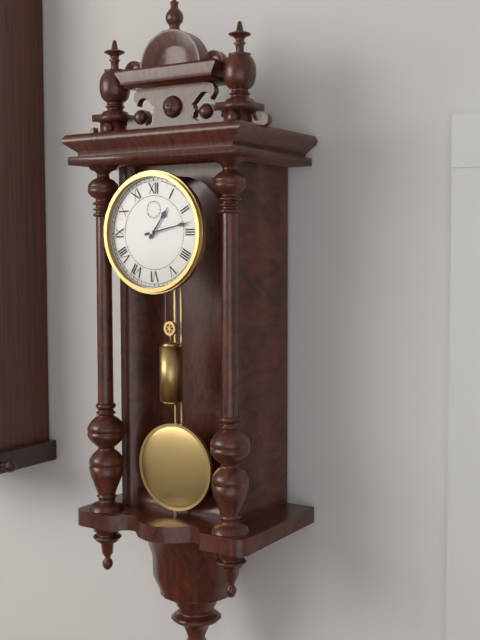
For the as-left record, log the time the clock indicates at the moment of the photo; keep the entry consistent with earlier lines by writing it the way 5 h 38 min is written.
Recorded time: 1 h 13 min
